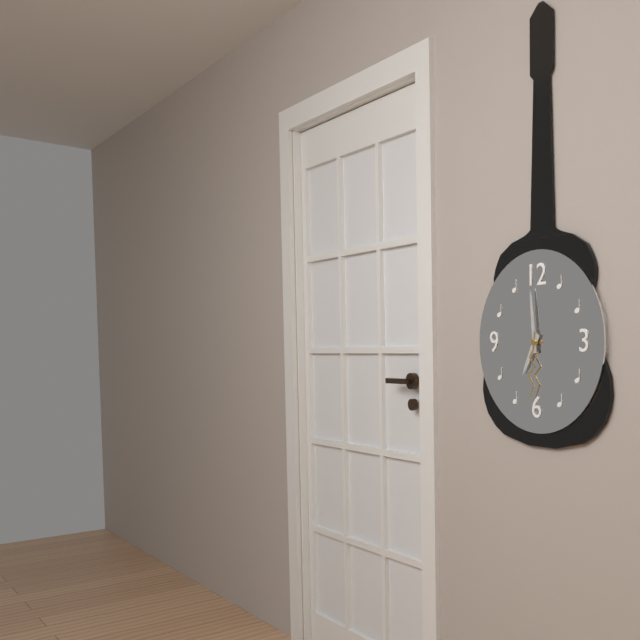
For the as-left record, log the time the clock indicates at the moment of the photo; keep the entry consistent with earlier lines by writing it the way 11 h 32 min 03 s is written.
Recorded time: 6 h 59 min 31 s
